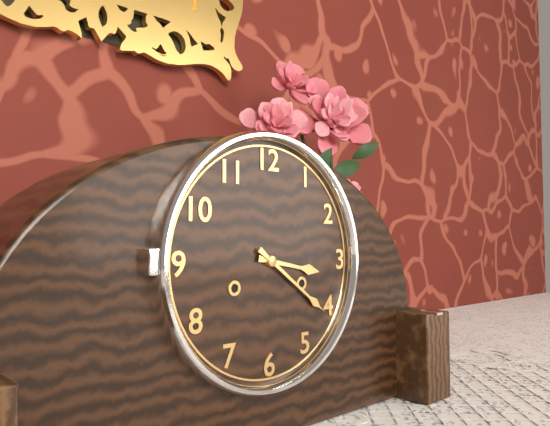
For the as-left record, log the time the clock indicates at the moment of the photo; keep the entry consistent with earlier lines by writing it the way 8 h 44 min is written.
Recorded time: 3 h 21 min
